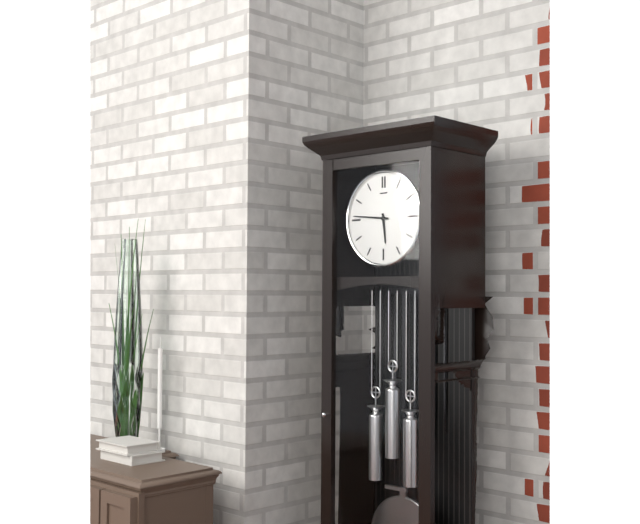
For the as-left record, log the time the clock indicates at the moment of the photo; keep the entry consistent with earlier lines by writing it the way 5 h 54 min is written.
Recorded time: 5 h 46 min
